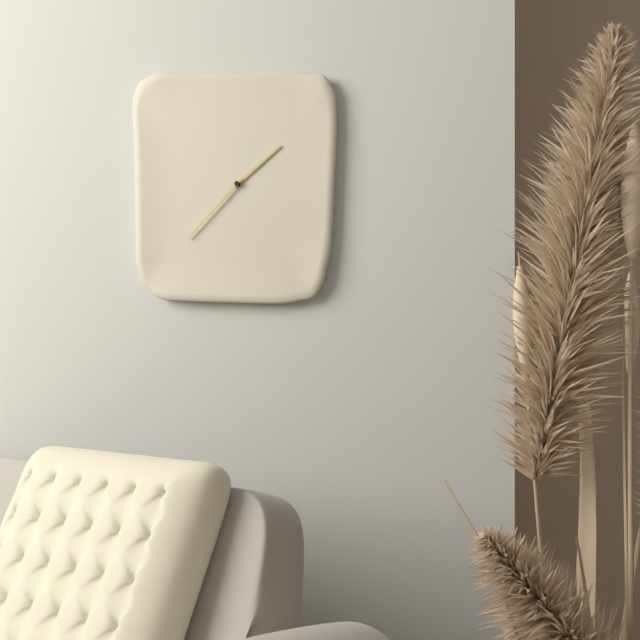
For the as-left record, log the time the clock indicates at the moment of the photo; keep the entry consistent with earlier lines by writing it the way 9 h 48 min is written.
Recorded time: 1 h 37 min
